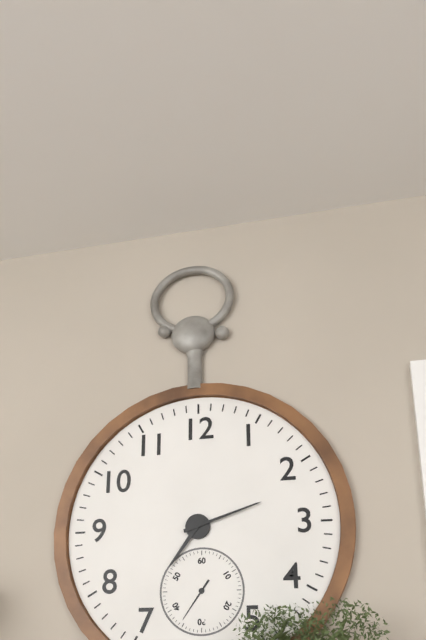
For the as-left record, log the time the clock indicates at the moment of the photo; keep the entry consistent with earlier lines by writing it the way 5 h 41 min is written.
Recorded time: 7 h 12 min
